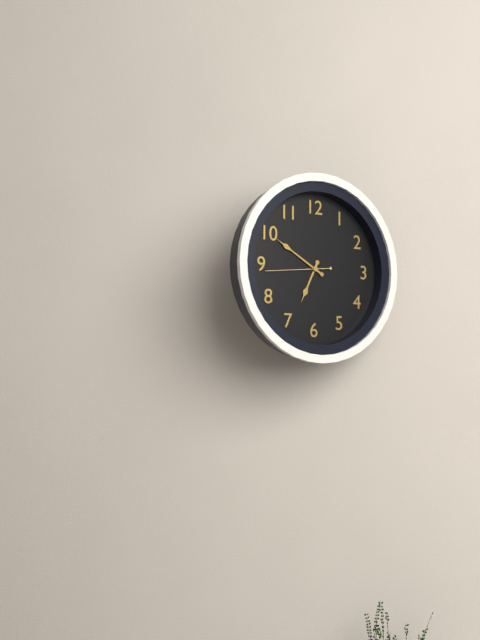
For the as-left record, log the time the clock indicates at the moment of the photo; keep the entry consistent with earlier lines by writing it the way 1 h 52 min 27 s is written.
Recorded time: 6 h 50 min 44 s
